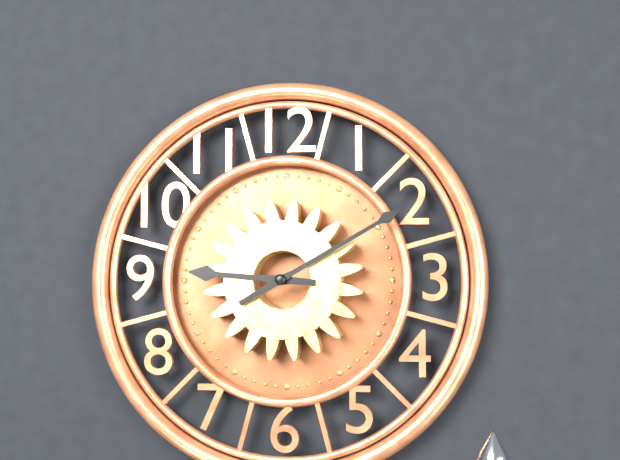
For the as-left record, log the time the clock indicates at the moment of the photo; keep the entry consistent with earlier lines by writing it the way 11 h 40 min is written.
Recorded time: 9 h 10 min
